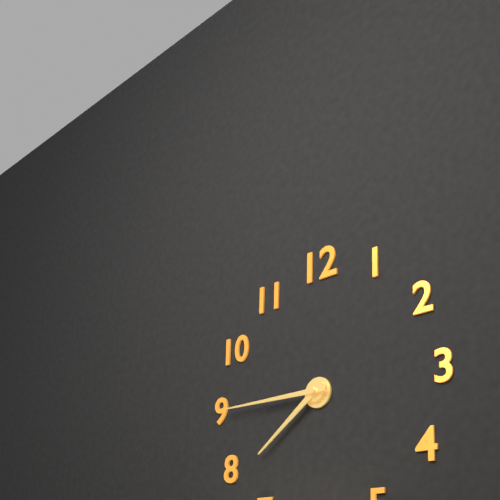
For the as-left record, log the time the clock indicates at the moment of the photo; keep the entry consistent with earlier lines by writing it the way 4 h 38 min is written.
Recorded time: 7 h 45 min
